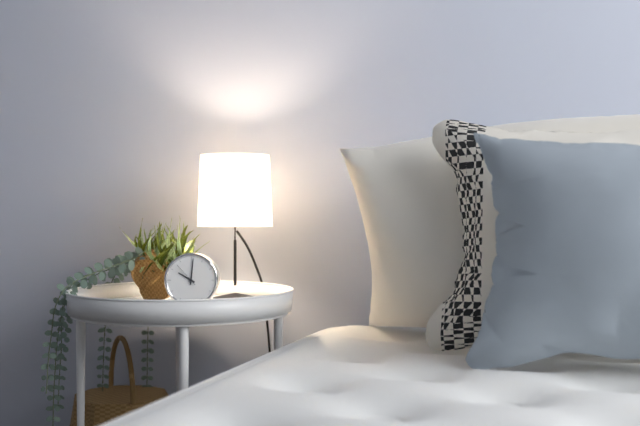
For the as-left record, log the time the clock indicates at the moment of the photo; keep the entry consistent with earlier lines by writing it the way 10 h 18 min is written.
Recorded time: 10 h 01 min
